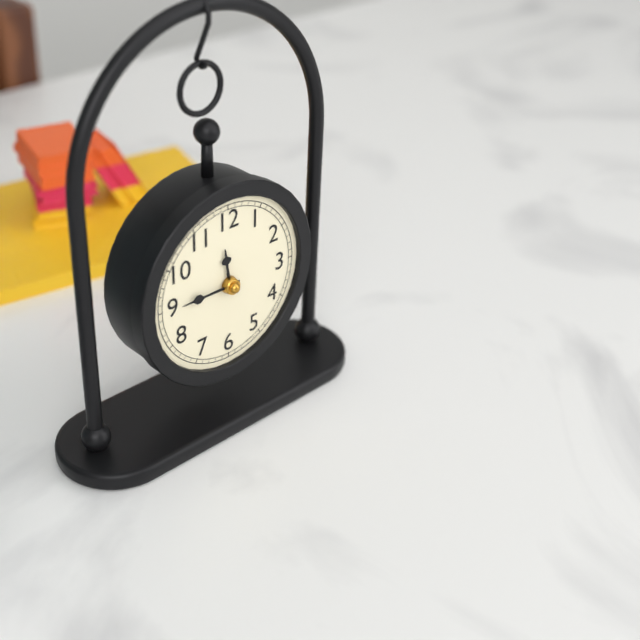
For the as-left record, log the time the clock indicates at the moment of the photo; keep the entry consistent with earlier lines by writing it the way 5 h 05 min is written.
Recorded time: 11 h 45 min
